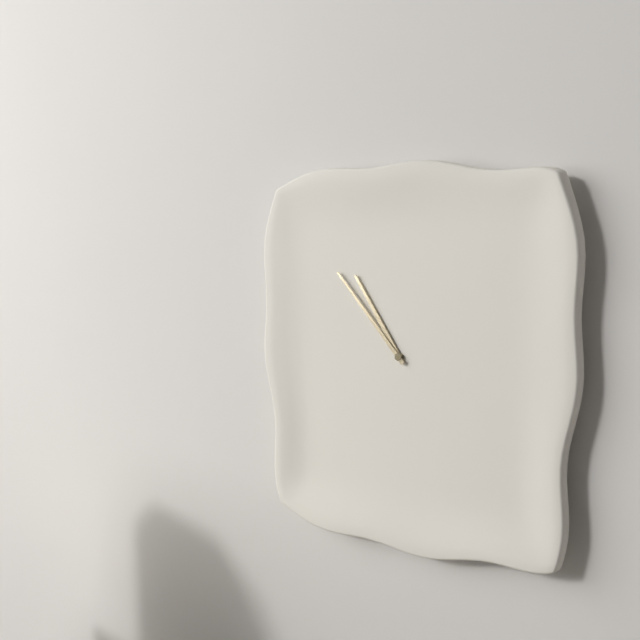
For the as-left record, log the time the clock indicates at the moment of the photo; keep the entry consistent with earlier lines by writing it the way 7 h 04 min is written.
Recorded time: 10 h 53 min
